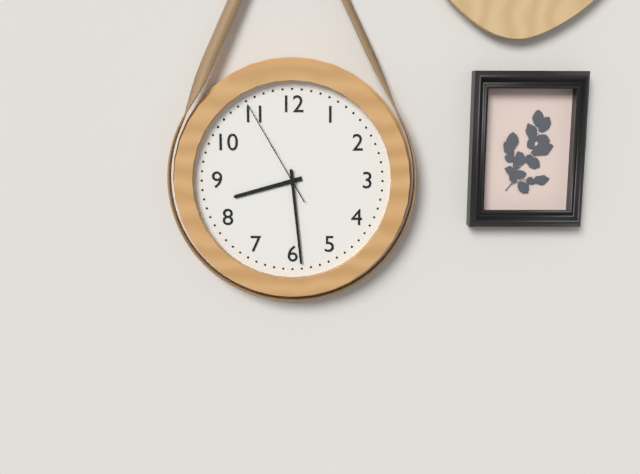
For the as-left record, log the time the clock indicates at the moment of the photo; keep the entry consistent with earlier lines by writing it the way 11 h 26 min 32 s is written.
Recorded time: 8 h 29 min 55 s
